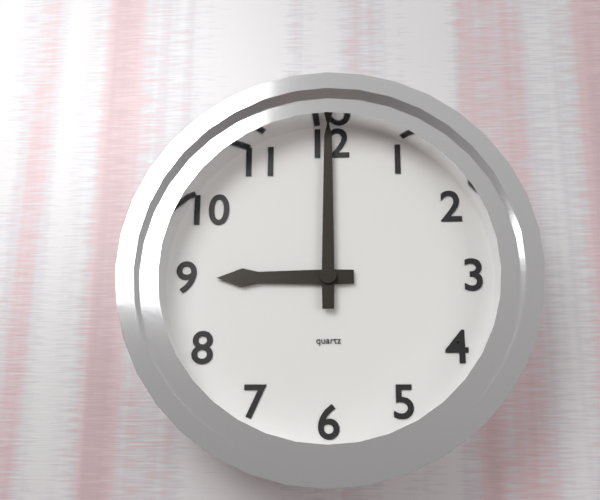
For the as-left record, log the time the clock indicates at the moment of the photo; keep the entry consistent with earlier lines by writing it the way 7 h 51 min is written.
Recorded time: 9 h 00 min
